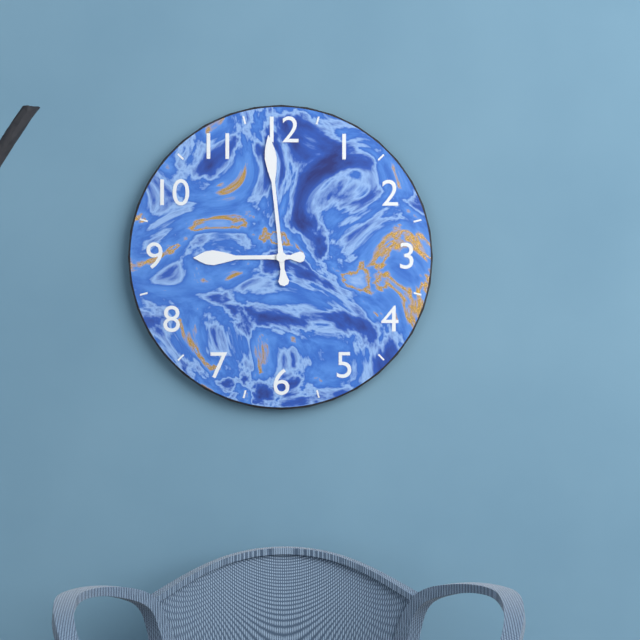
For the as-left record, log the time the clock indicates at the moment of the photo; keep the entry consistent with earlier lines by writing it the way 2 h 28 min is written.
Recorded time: 8 h 59 min
